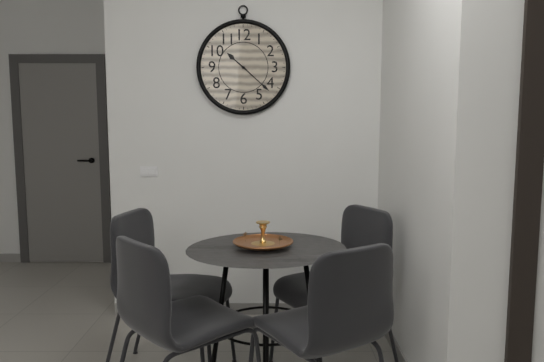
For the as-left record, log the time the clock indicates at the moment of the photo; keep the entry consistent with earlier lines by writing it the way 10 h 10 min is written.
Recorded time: 10 h 22 min
